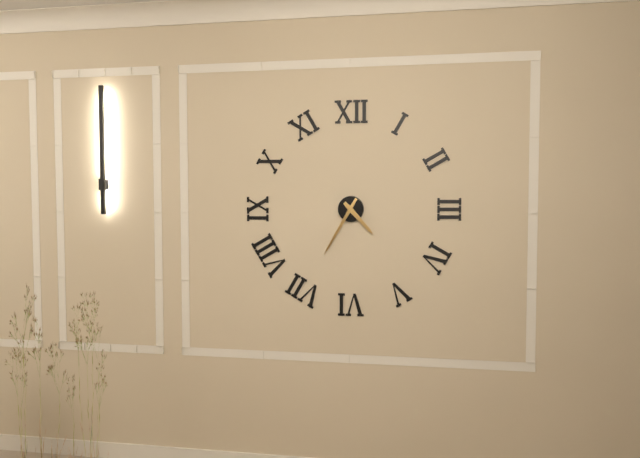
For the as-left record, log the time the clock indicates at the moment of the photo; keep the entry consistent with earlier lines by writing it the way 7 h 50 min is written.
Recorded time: 4 h 35 min
